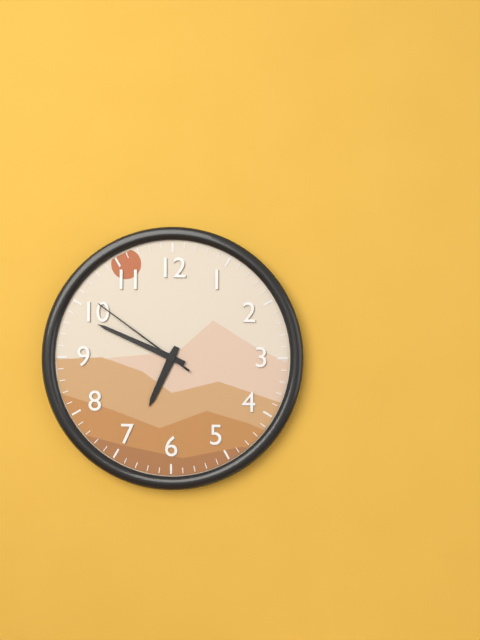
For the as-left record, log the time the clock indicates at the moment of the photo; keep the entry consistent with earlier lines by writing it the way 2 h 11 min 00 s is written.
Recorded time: 6 h 49 min 51 s
